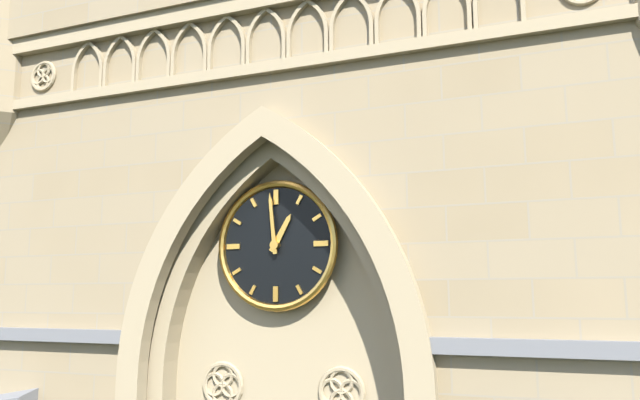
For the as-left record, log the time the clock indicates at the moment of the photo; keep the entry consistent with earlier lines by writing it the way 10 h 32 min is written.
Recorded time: 12 h 59 min
